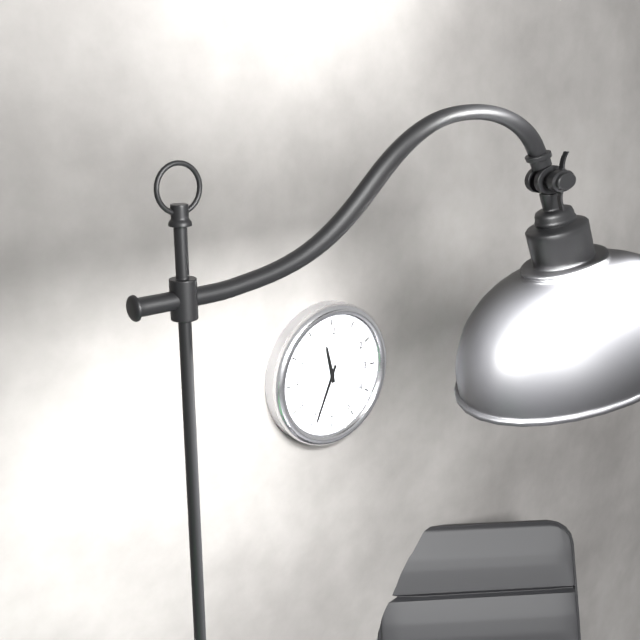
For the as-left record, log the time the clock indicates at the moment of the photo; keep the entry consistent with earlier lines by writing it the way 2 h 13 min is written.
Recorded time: 11 h 34 min
